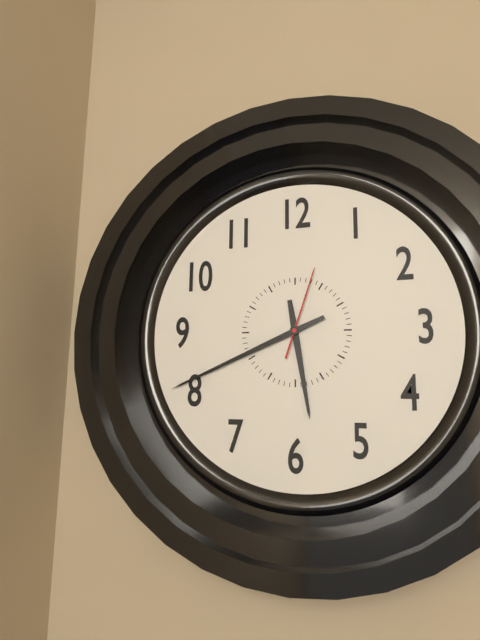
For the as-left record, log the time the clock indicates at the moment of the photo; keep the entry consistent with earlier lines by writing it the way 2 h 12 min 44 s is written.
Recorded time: 5 h 41 min 03 s
